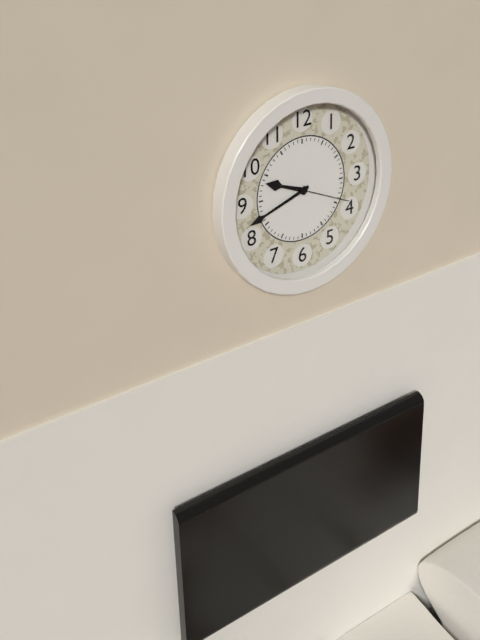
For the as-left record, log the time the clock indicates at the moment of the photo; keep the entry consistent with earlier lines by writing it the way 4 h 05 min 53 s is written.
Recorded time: 9 h 42 min 19 s
